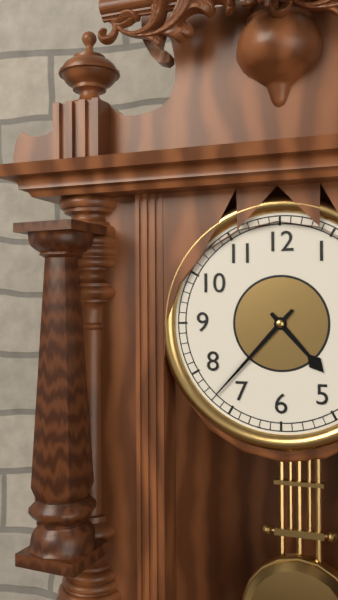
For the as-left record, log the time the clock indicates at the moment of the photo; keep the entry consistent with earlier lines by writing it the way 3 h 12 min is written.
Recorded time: 4 h 37 min
